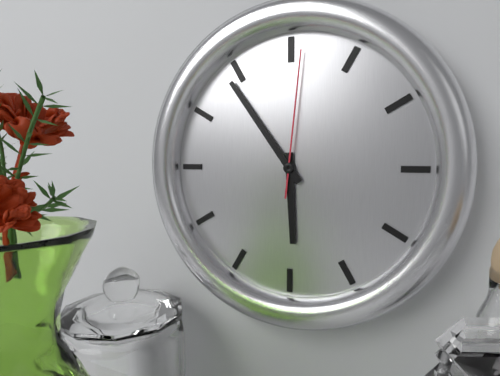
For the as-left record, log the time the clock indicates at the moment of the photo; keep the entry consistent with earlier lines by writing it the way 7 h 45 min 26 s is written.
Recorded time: 5 h 54 min 01 s
